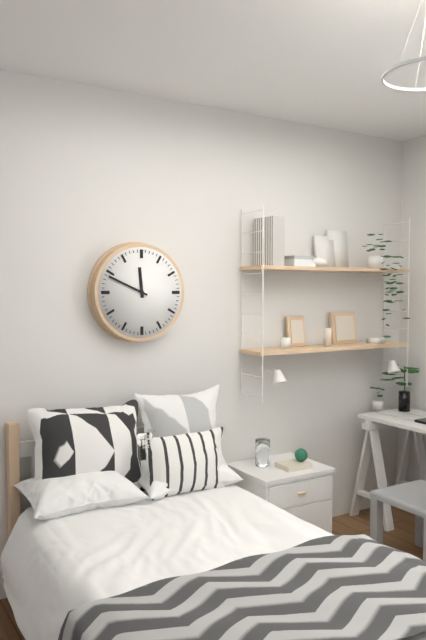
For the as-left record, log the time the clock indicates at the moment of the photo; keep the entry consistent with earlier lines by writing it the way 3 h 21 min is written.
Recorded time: 11 h 49 min
